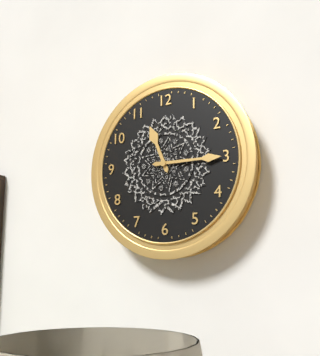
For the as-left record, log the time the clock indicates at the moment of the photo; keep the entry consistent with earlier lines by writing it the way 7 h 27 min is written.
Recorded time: 11 h 15 min
